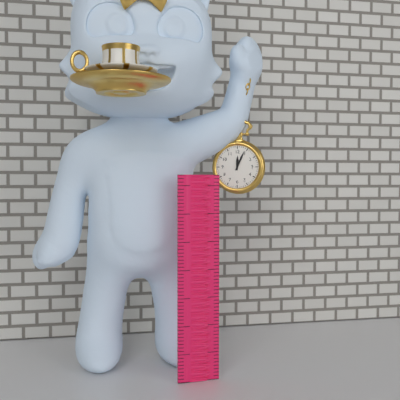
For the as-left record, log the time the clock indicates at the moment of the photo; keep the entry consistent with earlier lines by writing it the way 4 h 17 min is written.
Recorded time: 12 h 04 min
